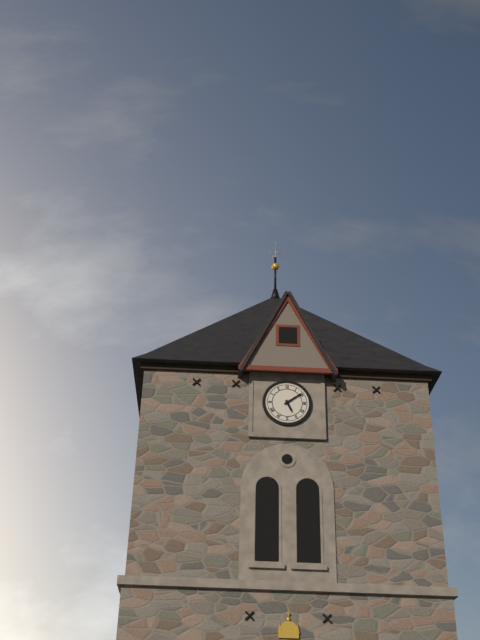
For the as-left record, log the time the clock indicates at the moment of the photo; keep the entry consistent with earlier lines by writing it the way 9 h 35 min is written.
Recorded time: 5 h 09 min
